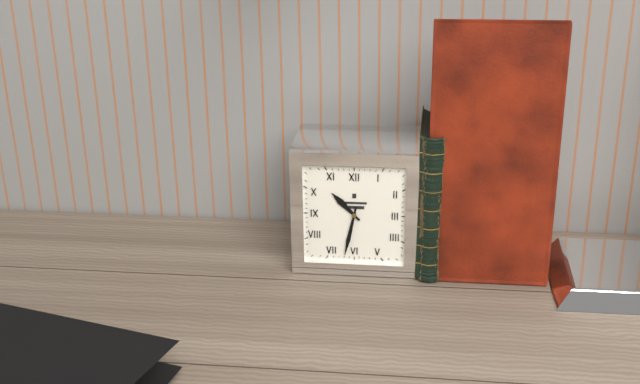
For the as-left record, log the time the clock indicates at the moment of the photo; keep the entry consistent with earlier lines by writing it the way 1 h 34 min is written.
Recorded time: 10 h 32 min
